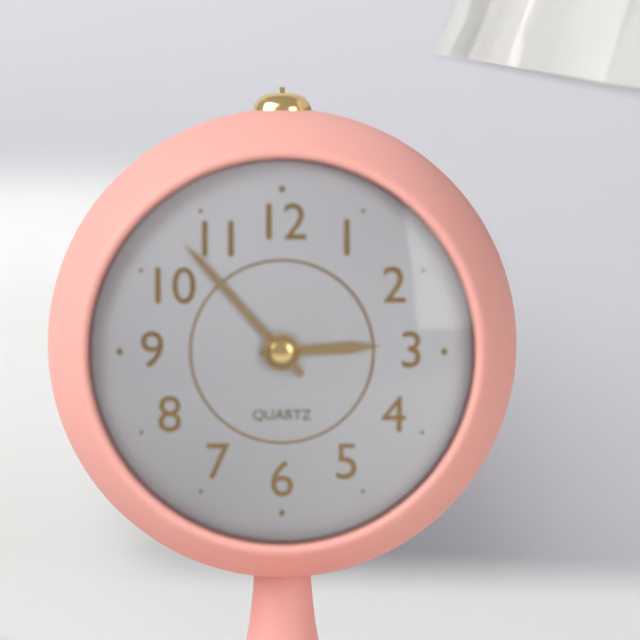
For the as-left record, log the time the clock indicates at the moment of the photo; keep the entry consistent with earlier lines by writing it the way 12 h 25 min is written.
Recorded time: 2 h 53 min
